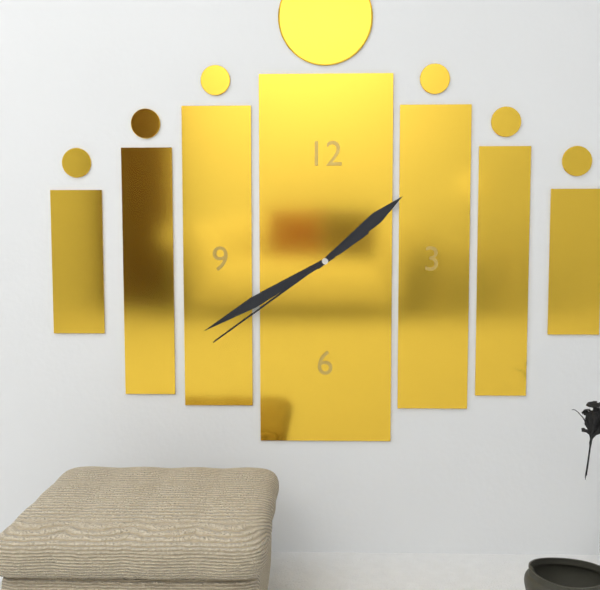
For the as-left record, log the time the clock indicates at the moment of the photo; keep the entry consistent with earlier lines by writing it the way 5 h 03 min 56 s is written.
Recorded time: 1 h 40 min 39 s
